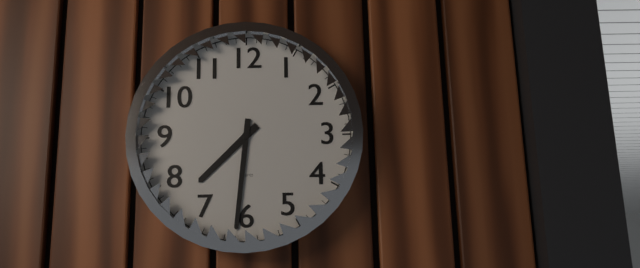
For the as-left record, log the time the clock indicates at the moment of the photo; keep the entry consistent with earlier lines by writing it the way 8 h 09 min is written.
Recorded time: 7 h 31 min
